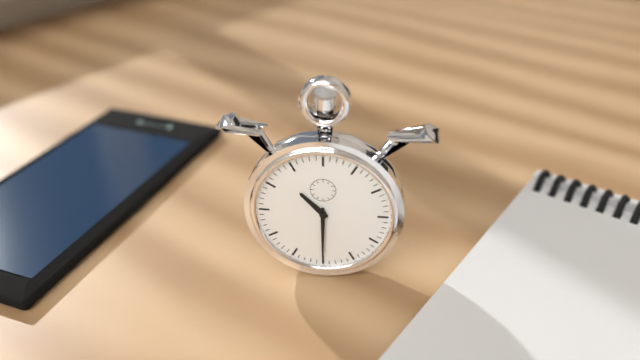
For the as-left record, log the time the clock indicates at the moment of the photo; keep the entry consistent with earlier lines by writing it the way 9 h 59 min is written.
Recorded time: 10 h 30 min
